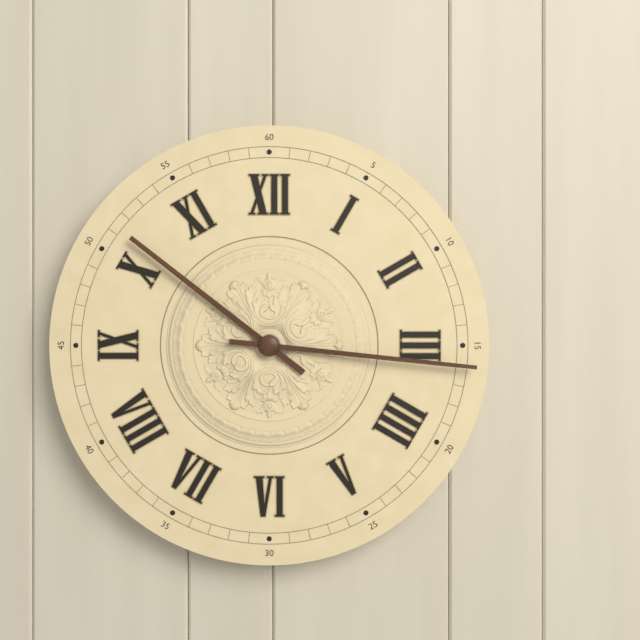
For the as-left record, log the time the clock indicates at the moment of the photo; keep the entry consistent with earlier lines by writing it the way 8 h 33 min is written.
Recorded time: 10 h 16 min
